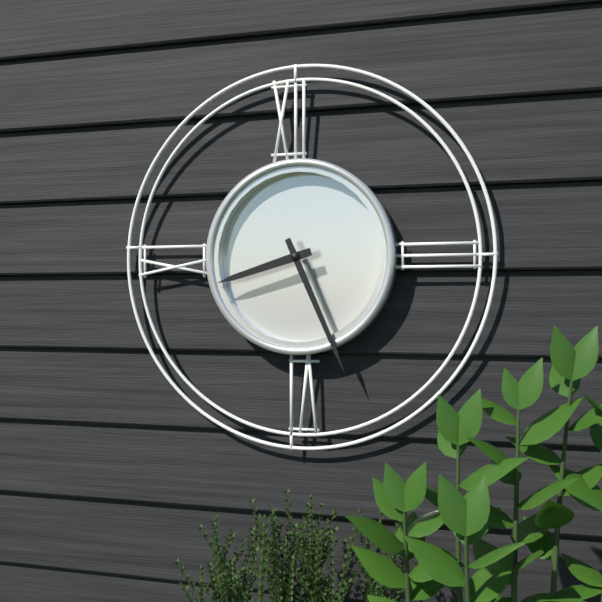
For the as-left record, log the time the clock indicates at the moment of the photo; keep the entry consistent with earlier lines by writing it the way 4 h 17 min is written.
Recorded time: 8 h 26 min
